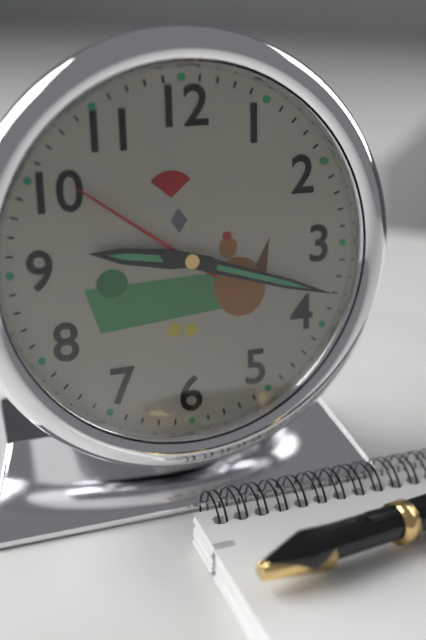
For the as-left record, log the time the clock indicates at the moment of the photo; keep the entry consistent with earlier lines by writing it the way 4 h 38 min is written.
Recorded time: 9 h 18 min
